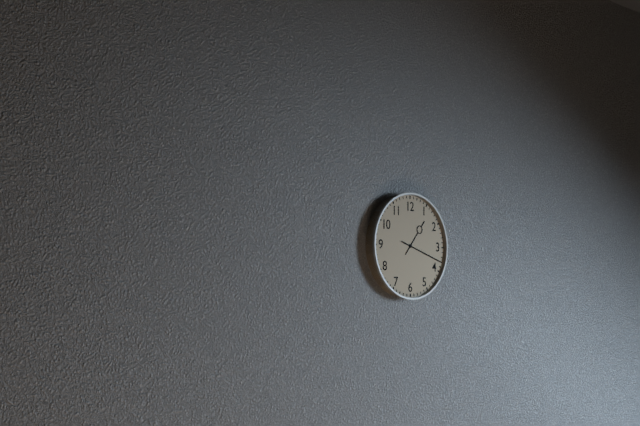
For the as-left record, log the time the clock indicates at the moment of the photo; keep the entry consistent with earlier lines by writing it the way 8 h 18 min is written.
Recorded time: 1 h 18 min
